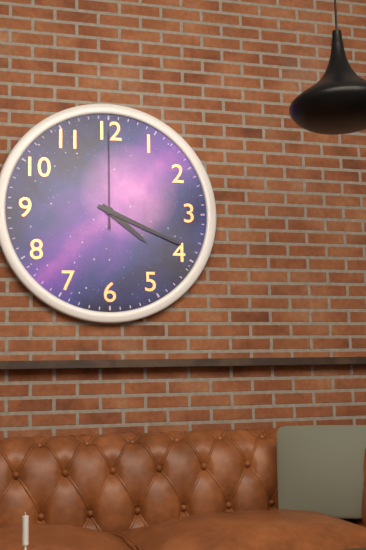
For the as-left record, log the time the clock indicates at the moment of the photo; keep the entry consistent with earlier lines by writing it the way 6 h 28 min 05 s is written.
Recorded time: 4 h 19 min 00 s
